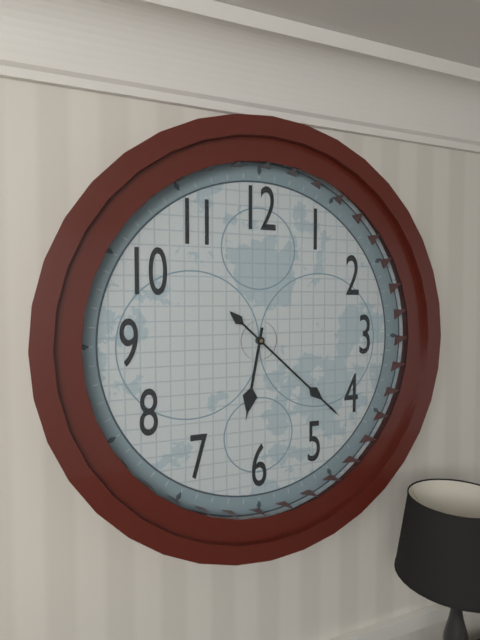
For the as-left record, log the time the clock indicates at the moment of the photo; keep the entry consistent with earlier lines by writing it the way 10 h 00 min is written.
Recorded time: 6 h 22 min
